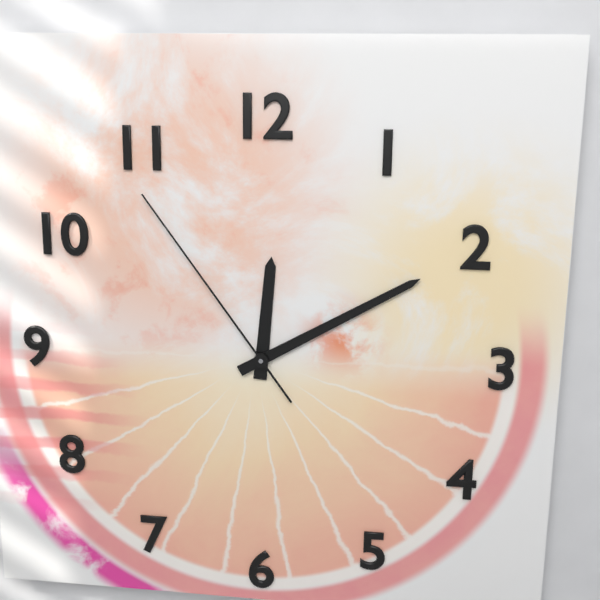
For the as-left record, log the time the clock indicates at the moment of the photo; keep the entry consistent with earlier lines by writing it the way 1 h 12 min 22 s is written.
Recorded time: 12 h 10 min 54 s
